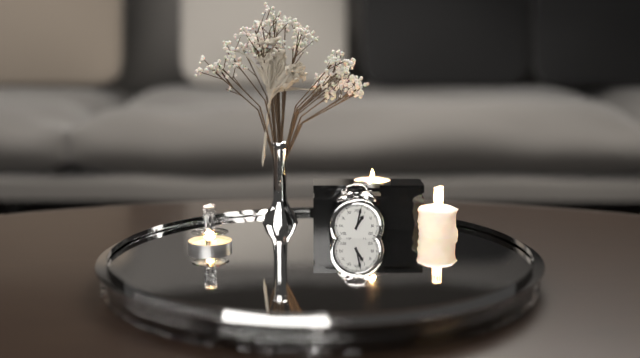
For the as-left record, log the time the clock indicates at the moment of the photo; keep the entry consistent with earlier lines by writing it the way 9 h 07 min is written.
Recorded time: 1 h 02 min
